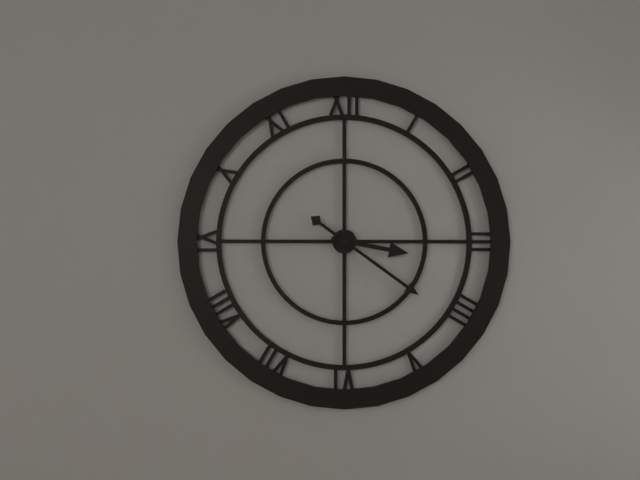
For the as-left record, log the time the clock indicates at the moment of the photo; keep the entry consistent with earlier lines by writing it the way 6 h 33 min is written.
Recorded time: 3 h 21 min
